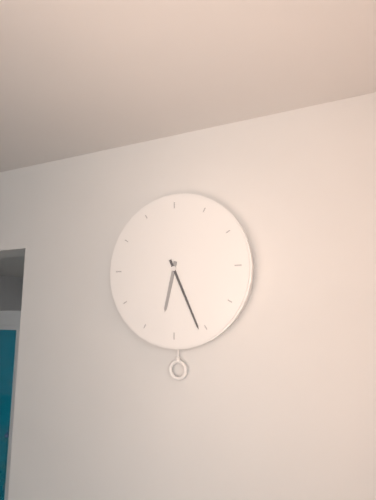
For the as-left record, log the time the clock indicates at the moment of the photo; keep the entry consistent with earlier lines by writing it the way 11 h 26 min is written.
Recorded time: 6 h 26 min
